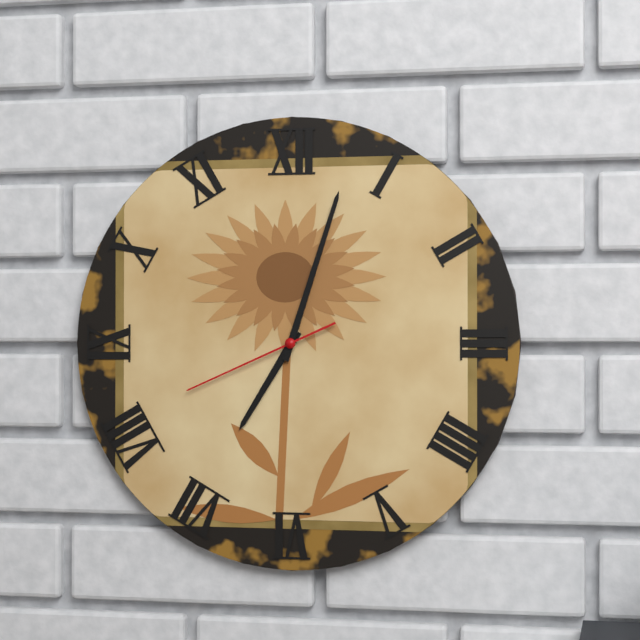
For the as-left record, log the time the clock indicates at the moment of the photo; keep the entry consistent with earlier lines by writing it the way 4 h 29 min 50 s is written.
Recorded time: 7 h 03 min 41 s
